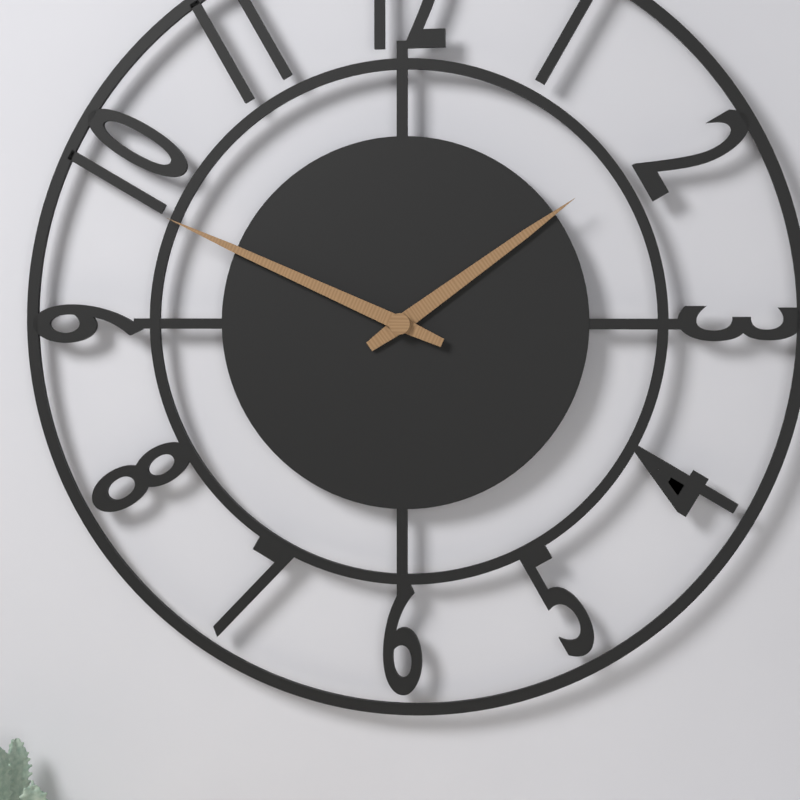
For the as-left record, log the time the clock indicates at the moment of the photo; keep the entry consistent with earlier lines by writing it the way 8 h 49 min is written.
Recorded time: 1 h 49 min
